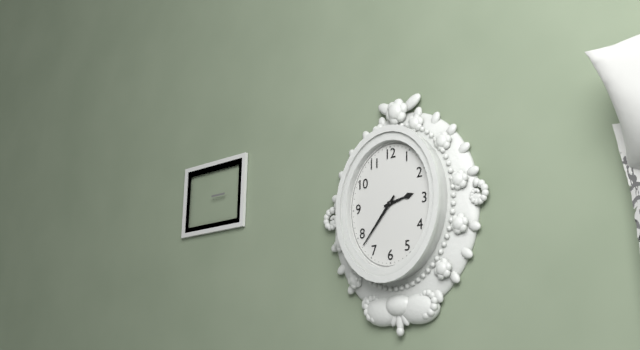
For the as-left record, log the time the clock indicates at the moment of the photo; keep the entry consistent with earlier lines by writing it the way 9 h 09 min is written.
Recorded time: 2 h 37 min
